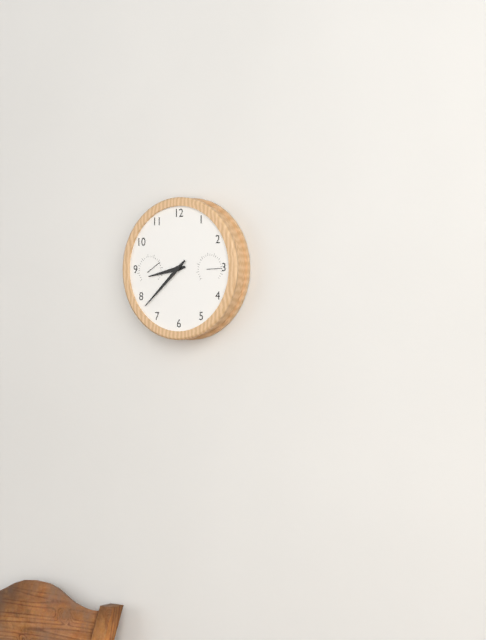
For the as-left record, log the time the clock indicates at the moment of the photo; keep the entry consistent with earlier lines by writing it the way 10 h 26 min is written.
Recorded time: 8 h 38 min
